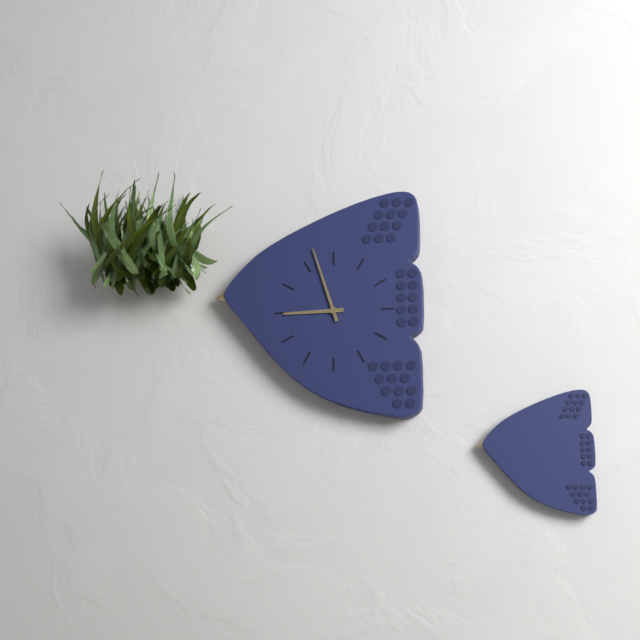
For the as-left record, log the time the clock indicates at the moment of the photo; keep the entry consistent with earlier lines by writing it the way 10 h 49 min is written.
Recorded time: 8 h 57 min
